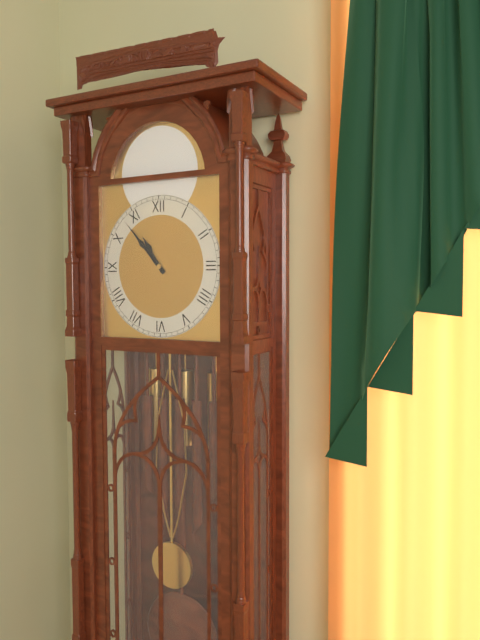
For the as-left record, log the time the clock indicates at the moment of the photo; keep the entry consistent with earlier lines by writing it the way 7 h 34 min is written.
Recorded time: 10 h 53 min
